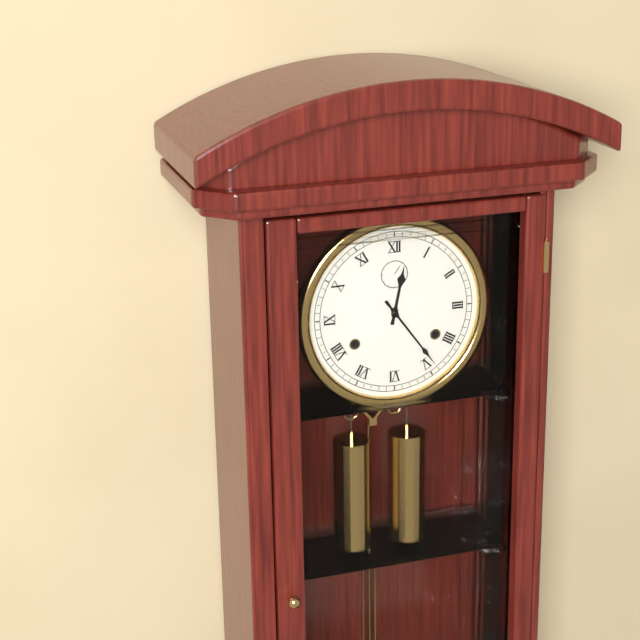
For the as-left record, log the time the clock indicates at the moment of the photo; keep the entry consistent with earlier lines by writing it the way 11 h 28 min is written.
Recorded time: 12 h 24 min
